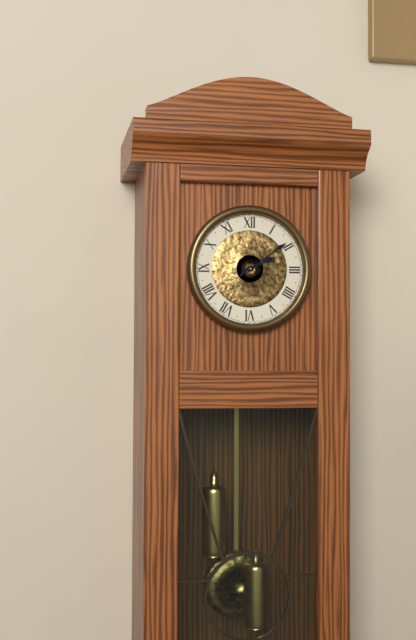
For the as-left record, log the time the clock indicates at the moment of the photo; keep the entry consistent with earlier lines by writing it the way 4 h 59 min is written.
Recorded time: 2 h 09 min
